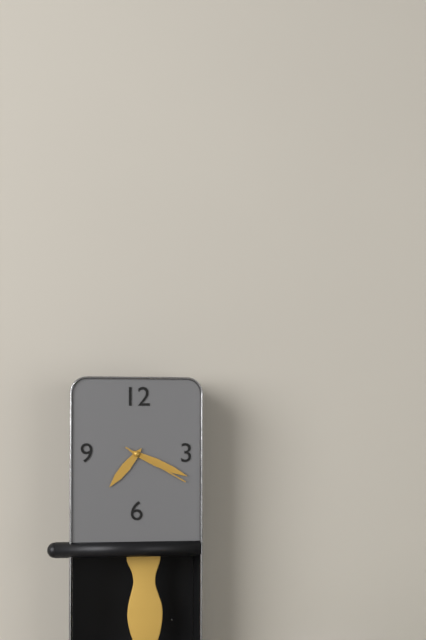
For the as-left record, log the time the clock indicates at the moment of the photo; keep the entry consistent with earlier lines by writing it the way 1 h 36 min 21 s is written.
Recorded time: 7 h 19 min 20 s
